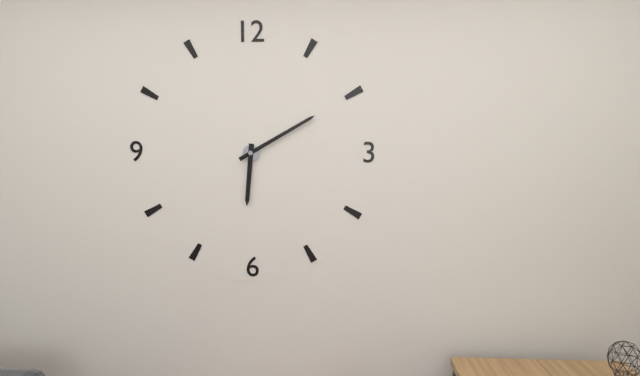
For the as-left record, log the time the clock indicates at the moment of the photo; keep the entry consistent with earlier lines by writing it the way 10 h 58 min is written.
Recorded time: 6 h 10 min
